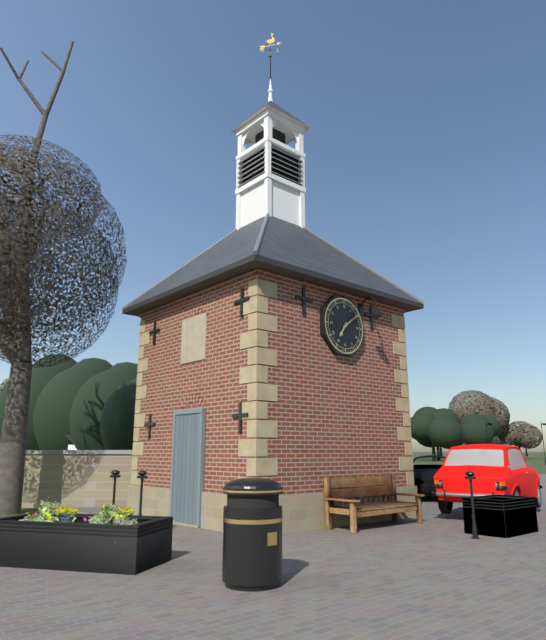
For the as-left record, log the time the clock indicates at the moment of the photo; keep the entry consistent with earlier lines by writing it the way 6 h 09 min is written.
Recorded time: 7 h 09 min
